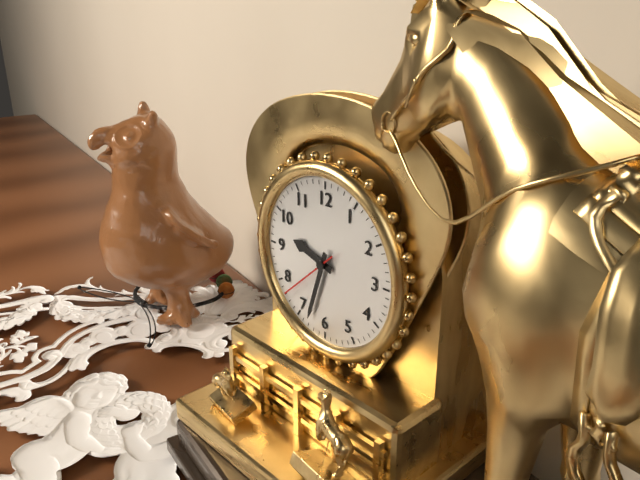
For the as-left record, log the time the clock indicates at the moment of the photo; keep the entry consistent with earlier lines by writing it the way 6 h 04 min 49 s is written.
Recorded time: 9 h 33 min 38 s
